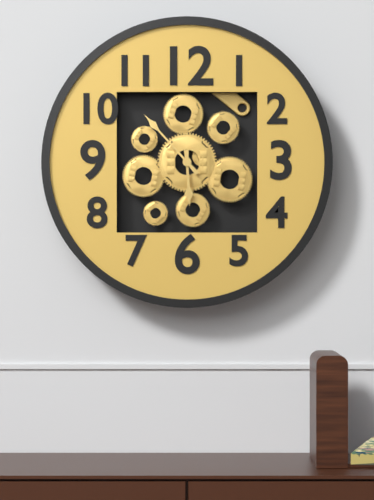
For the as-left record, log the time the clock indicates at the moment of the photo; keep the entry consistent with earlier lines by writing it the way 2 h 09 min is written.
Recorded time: 5 h 53 min
